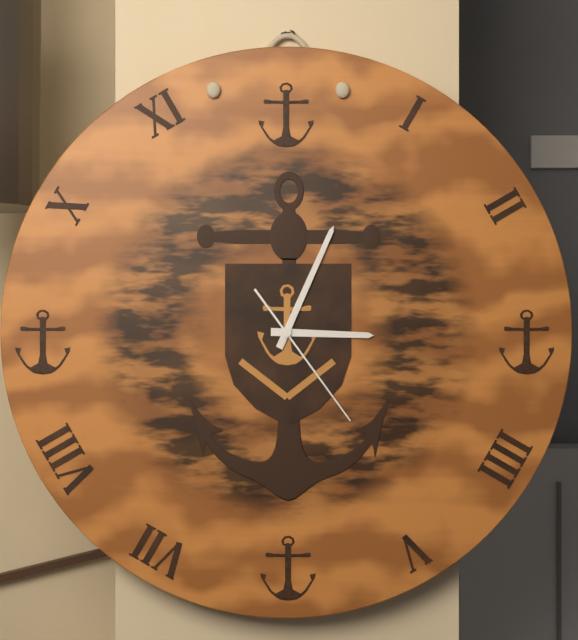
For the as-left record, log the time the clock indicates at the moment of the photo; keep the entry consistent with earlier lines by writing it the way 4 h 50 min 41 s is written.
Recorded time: 3 h 04 min 24 s
